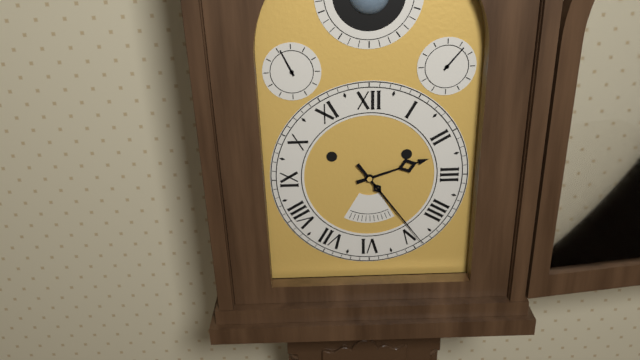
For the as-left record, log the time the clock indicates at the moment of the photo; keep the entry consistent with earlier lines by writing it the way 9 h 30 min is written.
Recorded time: 2 h 24 min
